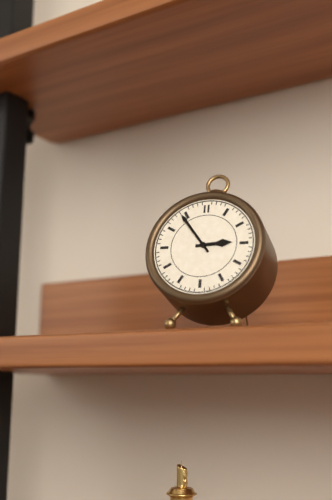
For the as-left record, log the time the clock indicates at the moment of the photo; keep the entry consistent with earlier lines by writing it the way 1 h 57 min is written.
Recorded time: 2 h 54 min
